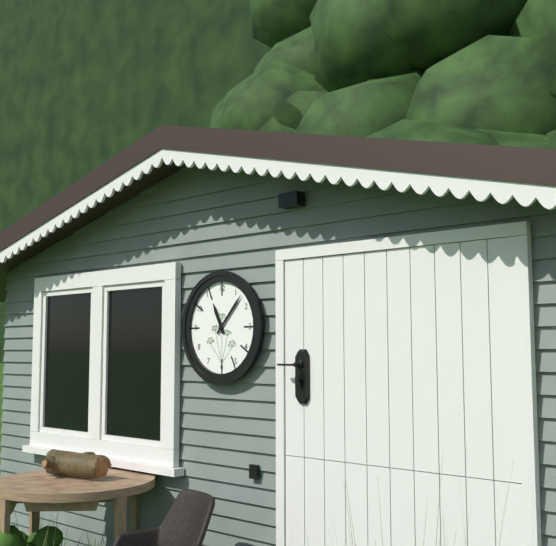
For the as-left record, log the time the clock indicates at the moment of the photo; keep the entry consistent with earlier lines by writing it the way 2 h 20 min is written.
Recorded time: 11 h 07 min
